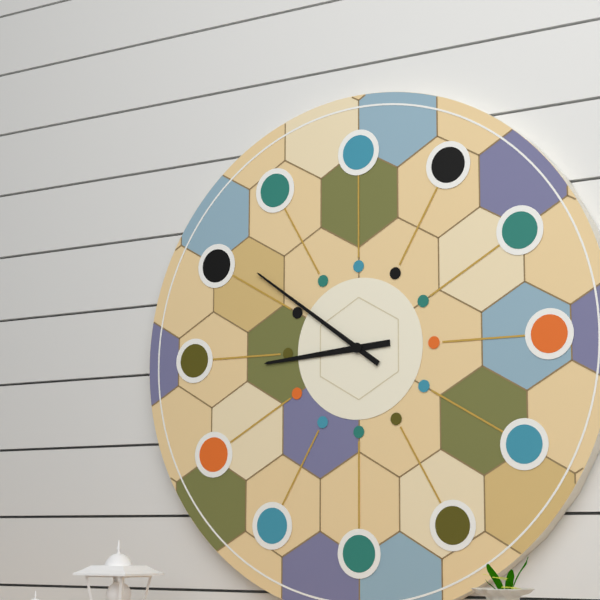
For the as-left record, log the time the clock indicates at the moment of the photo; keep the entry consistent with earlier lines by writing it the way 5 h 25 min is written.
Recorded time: 8 h 51 min
